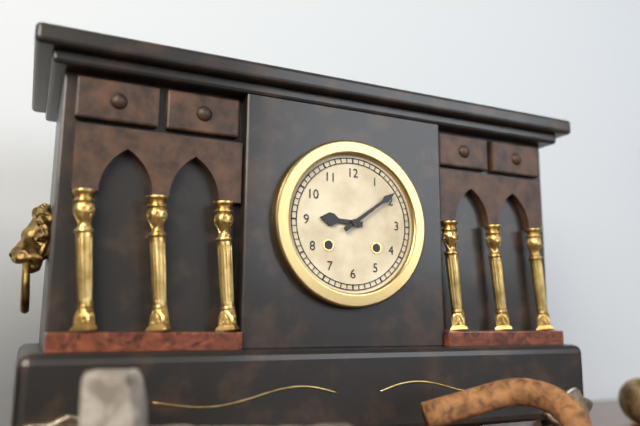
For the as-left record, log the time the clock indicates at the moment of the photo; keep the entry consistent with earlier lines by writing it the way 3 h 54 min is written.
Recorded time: 9 h 09 min
